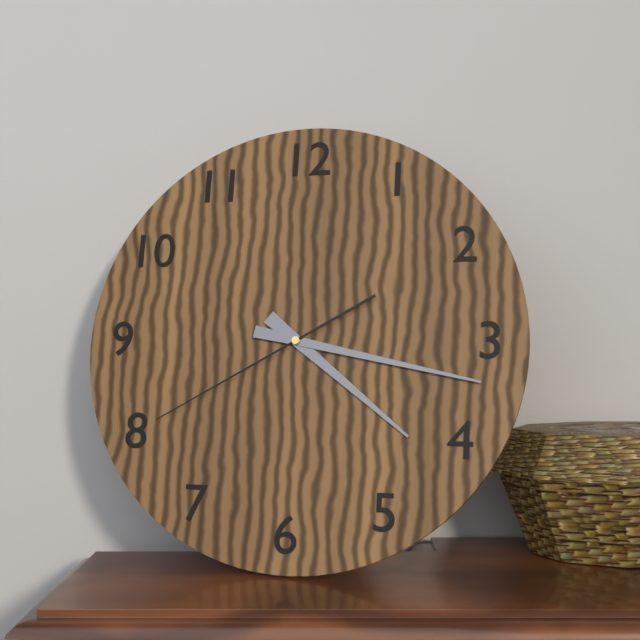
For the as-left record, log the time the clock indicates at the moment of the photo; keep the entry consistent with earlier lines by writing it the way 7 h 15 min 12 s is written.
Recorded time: 4 h 17 min 40 s
